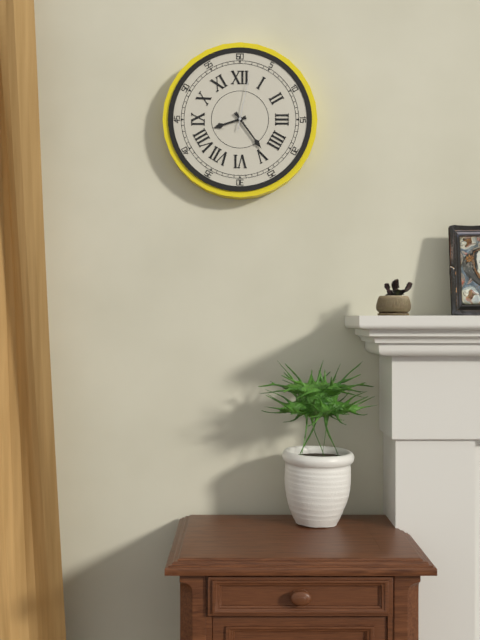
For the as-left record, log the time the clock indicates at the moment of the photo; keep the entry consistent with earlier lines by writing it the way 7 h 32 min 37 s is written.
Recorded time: 8 h 24 min 02 s
